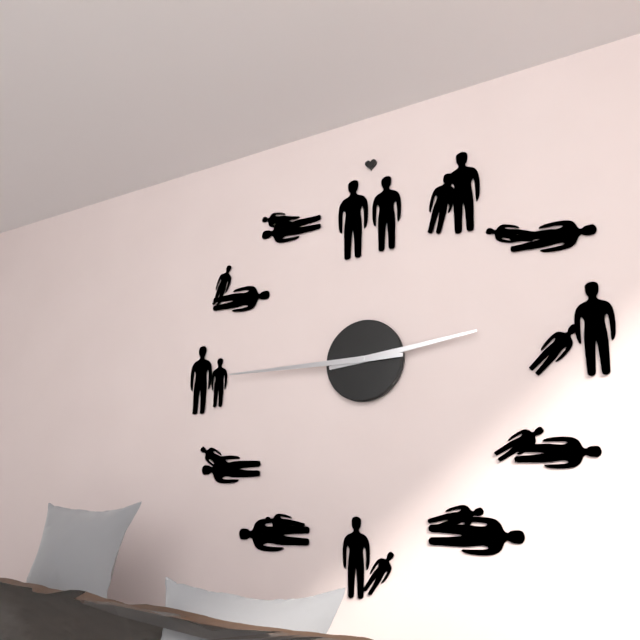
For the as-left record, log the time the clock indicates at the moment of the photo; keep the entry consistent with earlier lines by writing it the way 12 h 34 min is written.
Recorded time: 2 h 45 min
